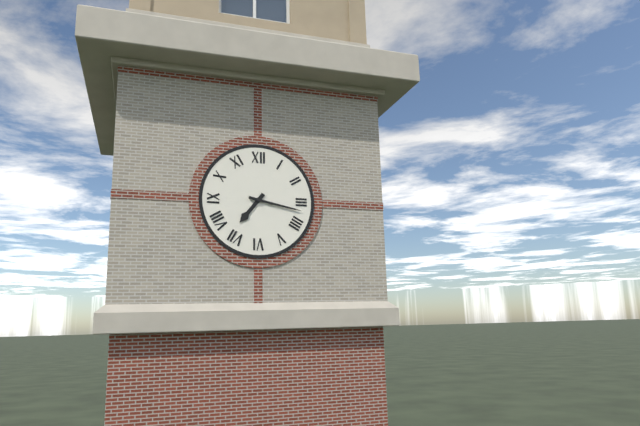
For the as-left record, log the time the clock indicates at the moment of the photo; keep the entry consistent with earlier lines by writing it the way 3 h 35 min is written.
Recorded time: 7 h 17 min
